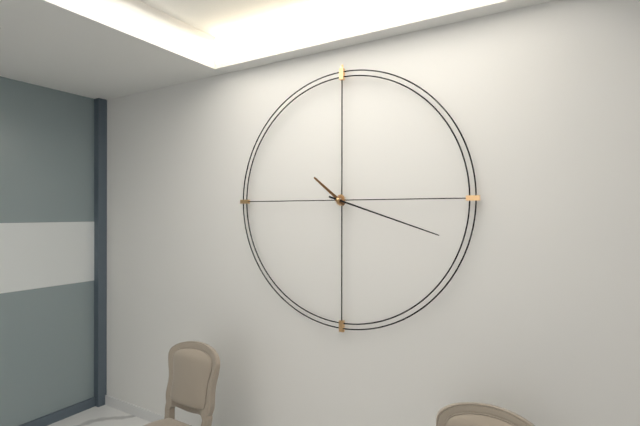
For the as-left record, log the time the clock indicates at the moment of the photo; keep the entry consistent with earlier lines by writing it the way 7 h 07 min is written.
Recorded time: 10 h 18 min
